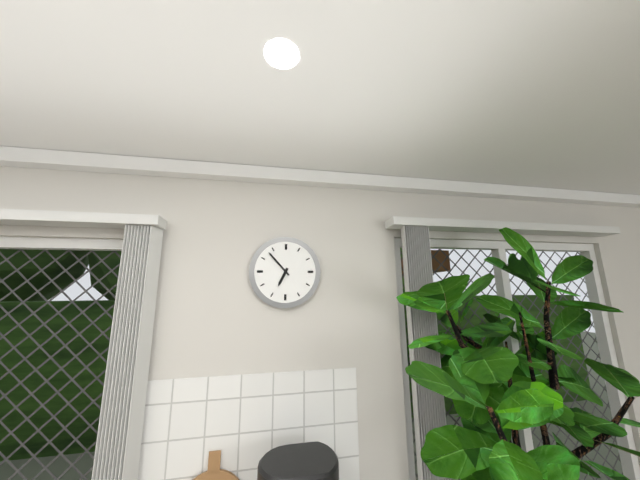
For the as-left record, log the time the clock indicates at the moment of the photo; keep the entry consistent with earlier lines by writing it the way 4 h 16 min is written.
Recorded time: 6 h 53 min
